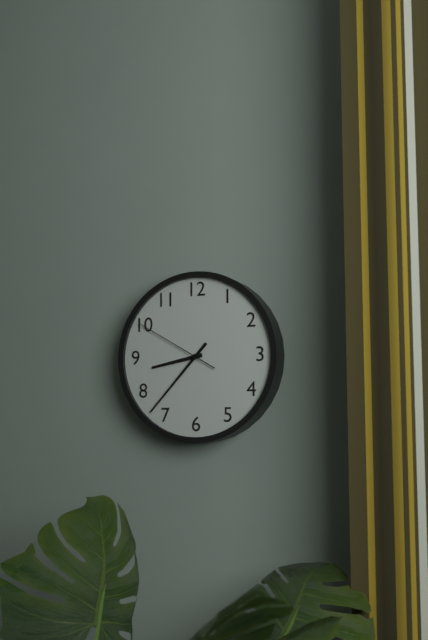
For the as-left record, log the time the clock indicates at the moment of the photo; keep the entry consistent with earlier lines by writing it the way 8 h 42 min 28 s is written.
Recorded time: 8 h 37 min 50 s
